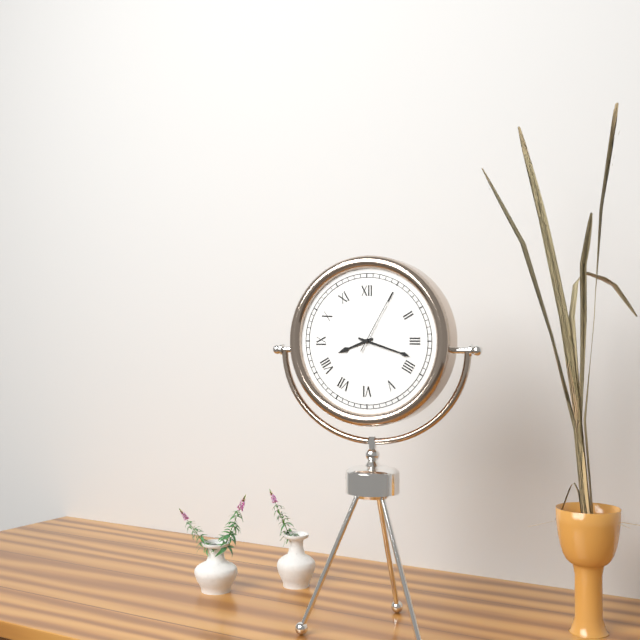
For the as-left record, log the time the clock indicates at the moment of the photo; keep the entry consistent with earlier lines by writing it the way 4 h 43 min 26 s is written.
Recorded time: 8 h 18 min 05 s
